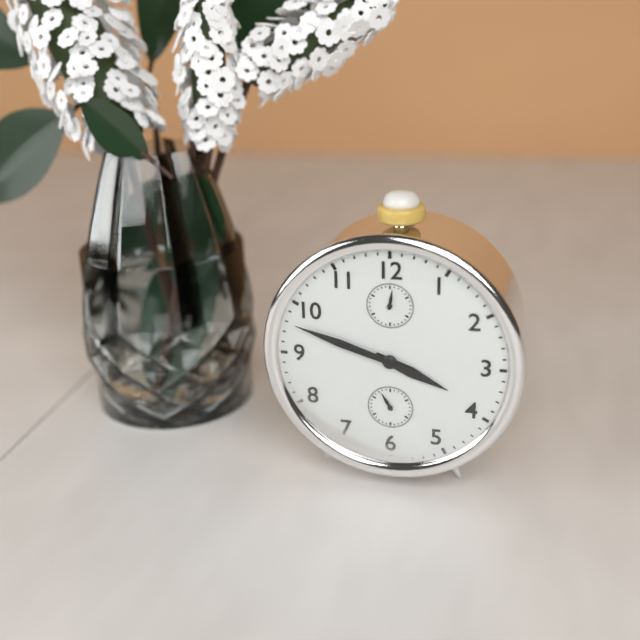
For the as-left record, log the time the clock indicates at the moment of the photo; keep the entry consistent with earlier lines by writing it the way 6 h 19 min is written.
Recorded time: 3 h 48 min
